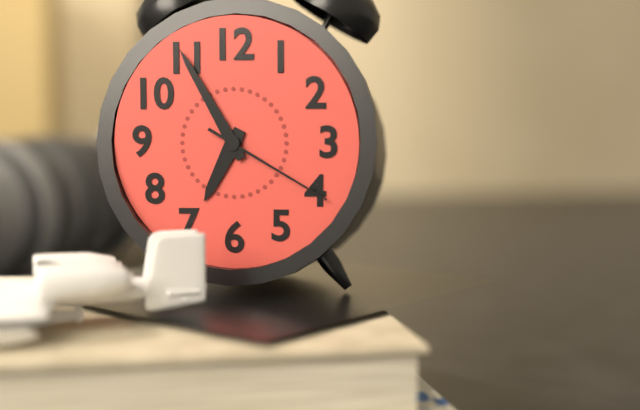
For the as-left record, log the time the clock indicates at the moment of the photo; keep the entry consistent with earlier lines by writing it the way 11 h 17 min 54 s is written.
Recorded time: 6 h 55 min 20 s
